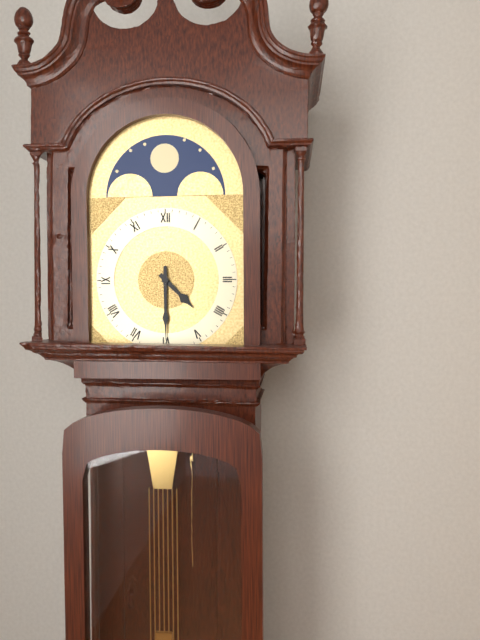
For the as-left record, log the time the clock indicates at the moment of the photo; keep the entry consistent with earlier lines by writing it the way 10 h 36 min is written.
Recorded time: 4 h 30 min
